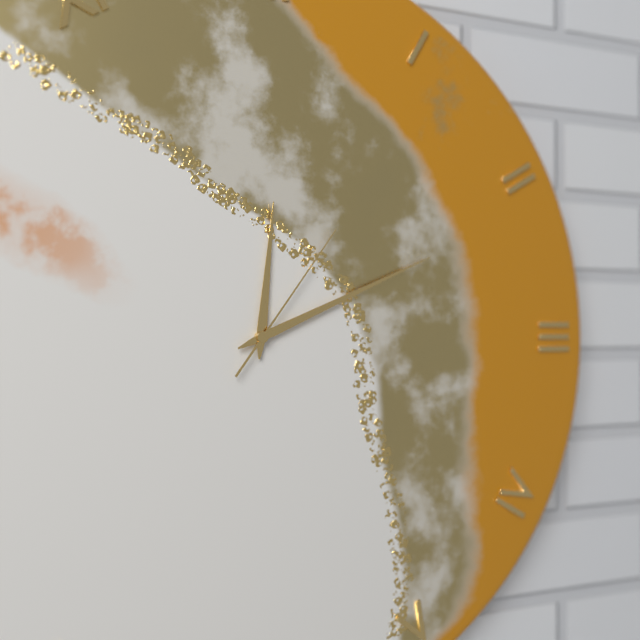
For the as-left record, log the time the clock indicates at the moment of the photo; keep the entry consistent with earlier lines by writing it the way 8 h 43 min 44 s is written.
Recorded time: 12 h 11 min 06 s
